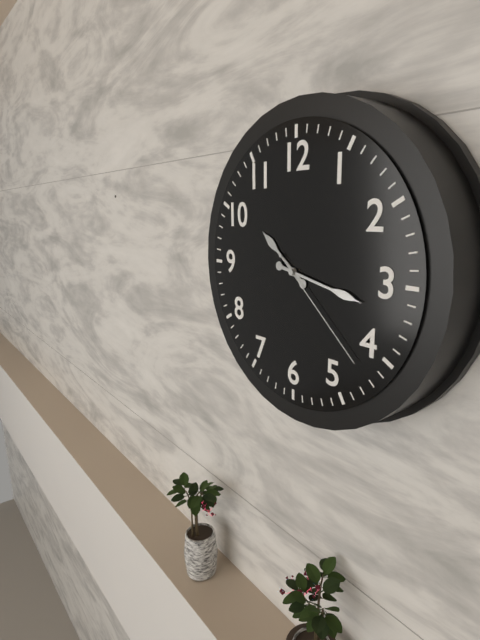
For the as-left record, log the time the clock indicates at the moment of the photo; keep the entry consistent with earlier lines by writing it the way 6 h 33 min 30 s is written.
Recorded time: 10 h 17 min 22 s
